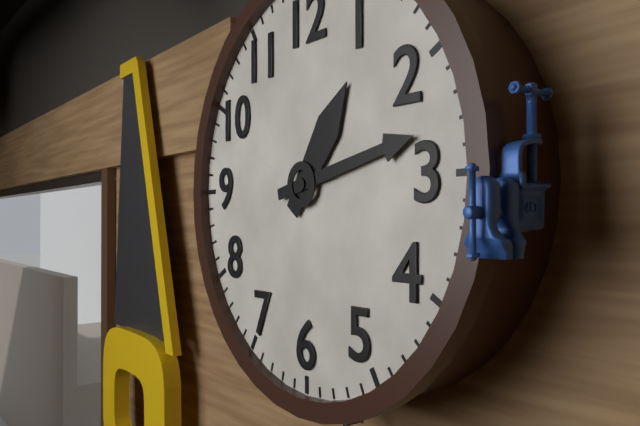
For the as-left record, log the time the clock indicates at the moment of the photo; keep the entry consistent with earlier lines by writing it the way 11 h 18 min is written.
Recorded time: 1 h 13 min
